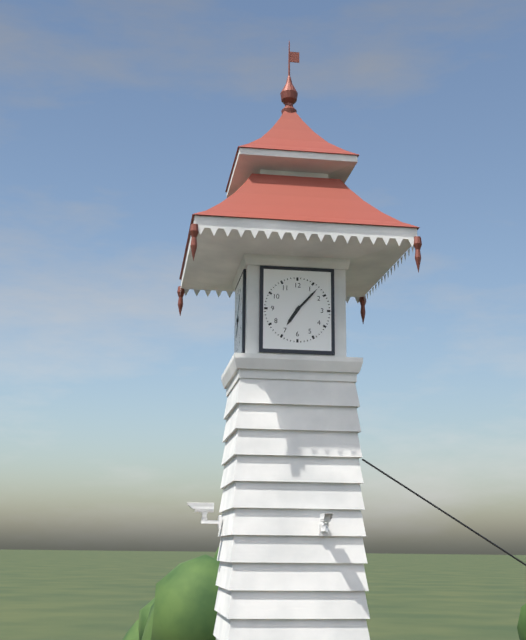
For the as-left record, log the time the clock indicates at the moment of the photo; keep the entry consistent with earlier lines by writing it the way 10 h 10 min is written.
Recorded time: 7 h 07 min
